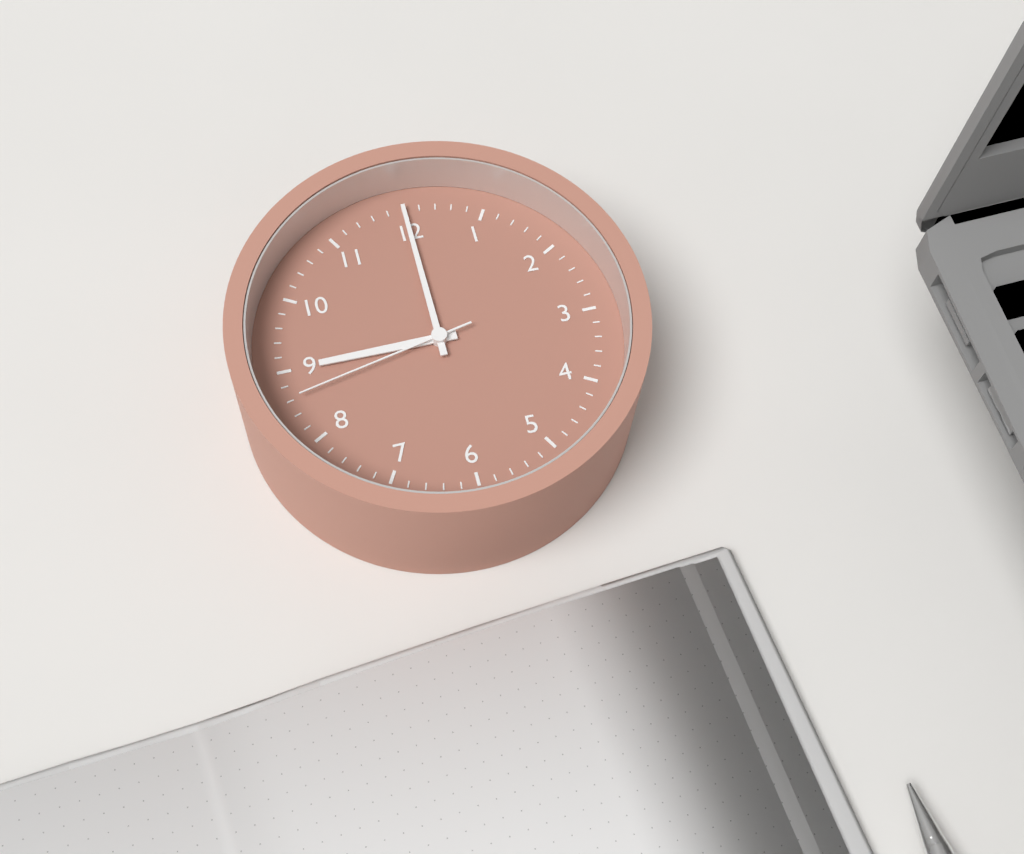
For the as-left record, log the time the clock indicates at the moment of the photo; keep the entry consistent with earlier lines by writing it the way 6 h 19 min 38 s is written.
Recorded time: 9 h 00 min 43 s
